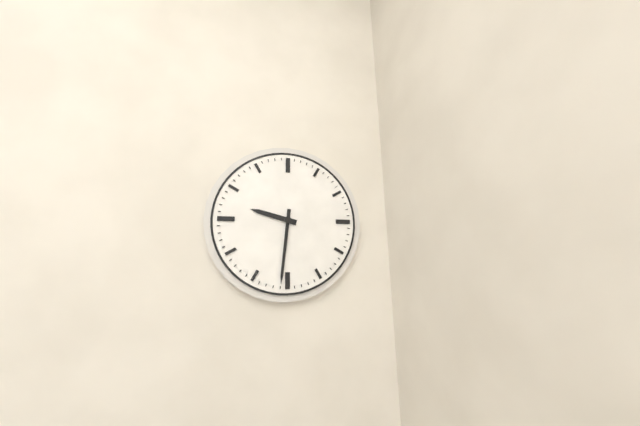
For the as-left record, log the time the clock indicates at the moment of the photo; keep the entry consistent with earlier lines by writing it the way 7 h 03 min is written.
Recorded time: 9 h 31 min
